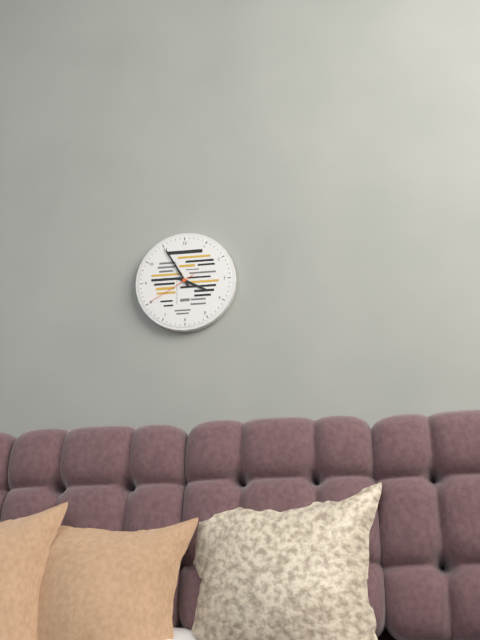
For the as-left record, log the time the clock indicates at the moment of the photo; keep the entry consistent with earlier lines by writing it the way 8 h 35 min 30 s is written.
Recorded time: 3 h 55 min 40 s
